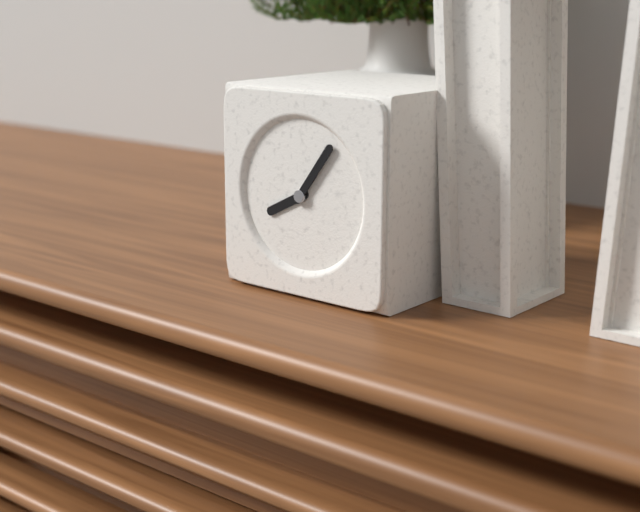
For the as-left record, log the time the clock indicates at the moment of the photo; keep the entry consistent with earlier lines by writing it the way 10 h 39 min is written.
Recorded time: 8 h 06 min
